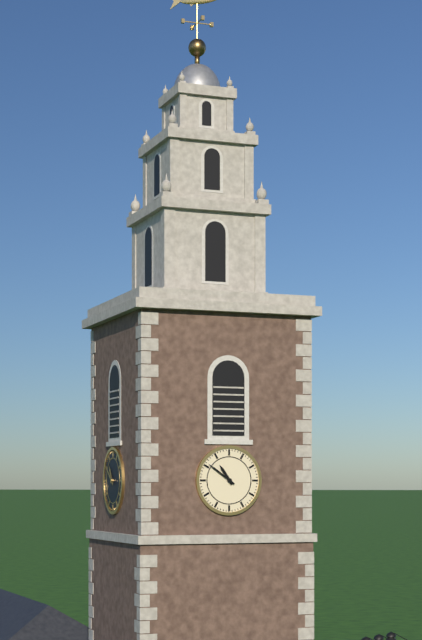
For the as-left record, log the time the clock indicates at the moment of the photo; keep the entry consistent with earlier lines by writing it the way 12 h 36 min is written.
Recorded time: 10 h 51 min
